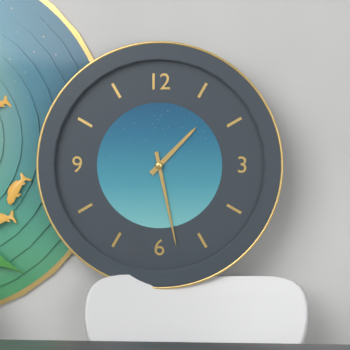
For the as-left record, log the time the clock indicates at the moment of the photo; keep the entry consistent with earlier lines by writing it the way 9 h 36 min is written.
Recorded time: 1 h 28 min
